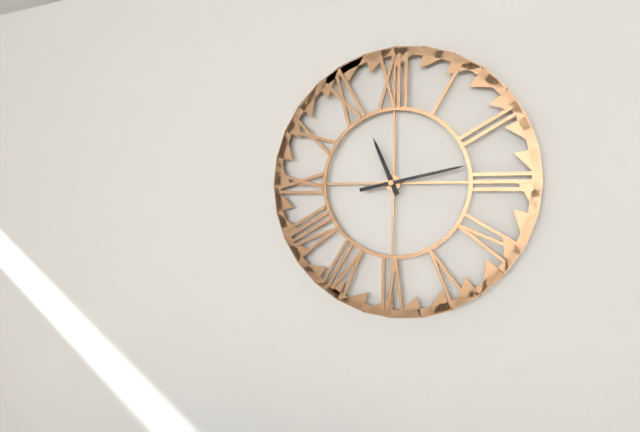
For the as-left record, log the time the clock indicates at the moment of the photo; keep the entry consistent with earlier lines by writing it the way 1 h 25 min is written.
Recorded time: 11 h 13 min
